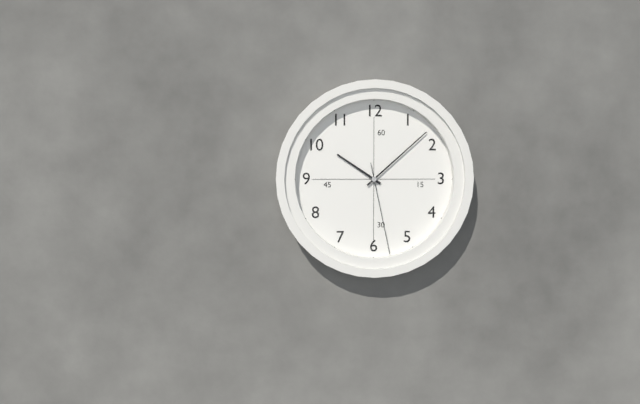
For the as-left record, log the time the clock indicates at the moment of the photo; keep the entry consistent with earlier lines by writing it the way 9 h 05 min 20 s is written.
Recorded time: 10 h 08 min 28 s
